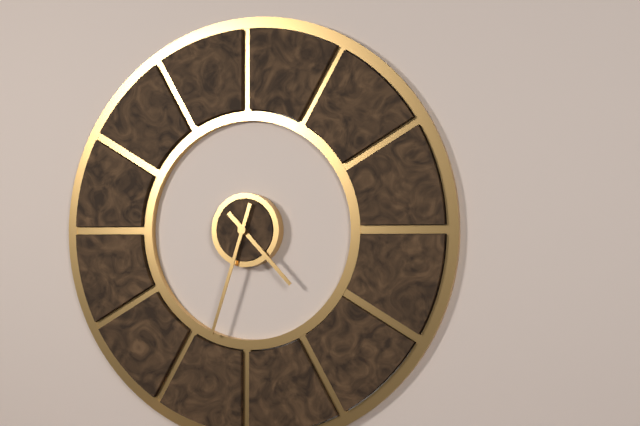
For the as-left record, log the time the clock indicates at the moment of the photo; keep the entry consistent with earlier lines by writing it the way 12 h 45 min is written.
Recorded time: 4 h 33 min
